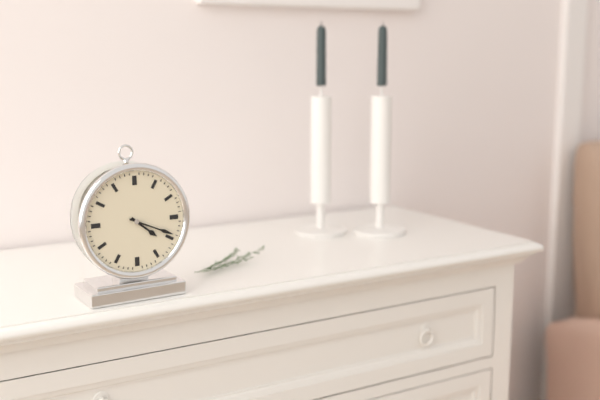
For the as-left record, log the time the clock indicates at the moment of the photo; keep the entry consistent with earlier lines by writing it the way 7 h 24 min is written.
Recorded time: 4 h 19 min
